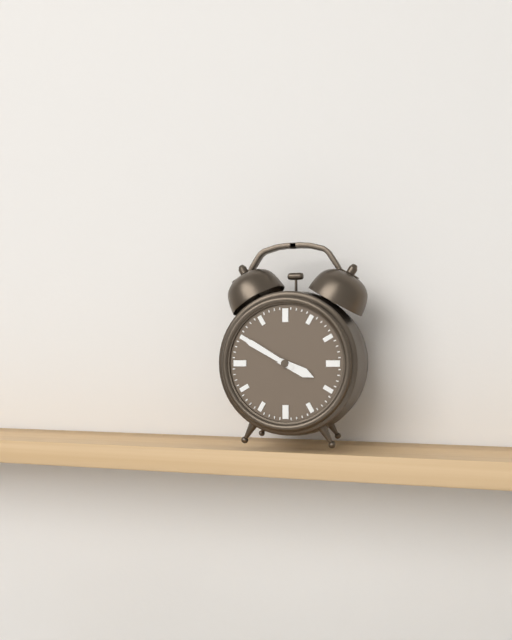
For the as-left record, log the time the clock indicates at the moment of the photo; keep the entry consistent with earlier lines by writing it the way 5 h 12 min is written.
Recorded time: 3 h 50 min
